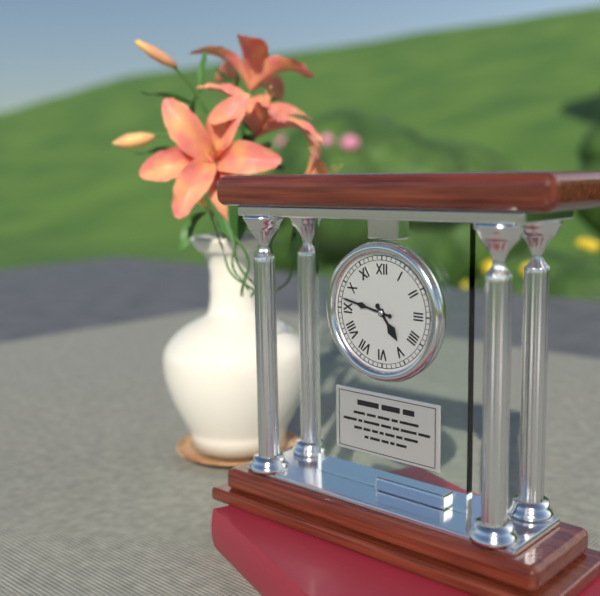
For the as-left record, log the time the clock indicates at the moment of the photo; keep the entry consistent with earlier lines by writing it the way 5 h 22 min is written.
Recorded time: 4 h 47 min
